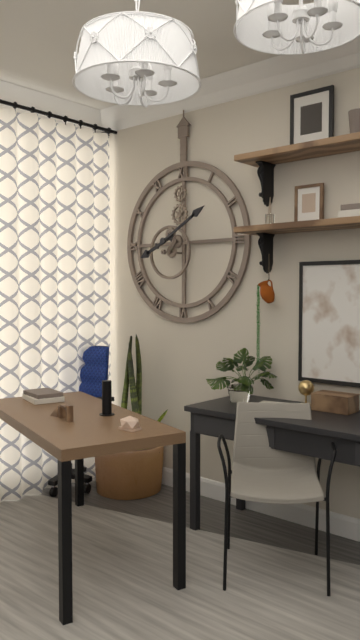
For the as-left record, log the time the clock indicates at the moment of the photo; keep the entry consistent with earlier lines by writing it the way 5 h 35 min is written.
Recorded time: 8 h 10 min
